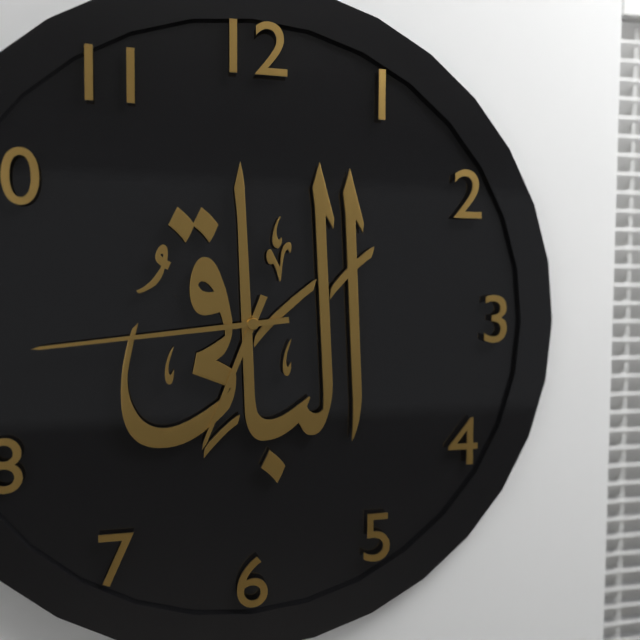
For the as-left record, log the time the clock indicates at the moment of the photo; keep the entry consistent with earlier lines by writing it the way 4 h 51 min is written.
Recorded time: 6 h 44 min
